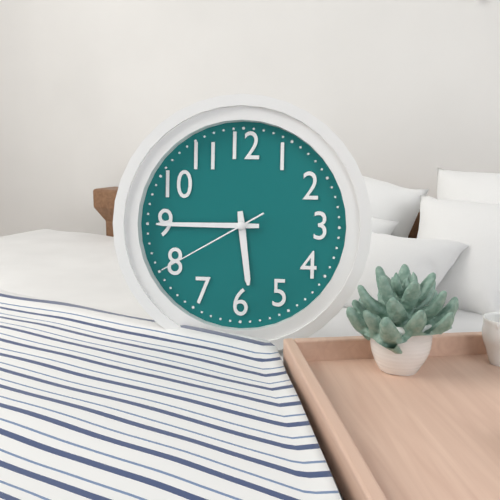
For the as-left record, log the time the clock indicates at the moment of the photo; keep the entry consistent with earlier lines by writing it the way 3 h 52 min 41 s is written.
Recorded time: 5 h 45 min 40 s
